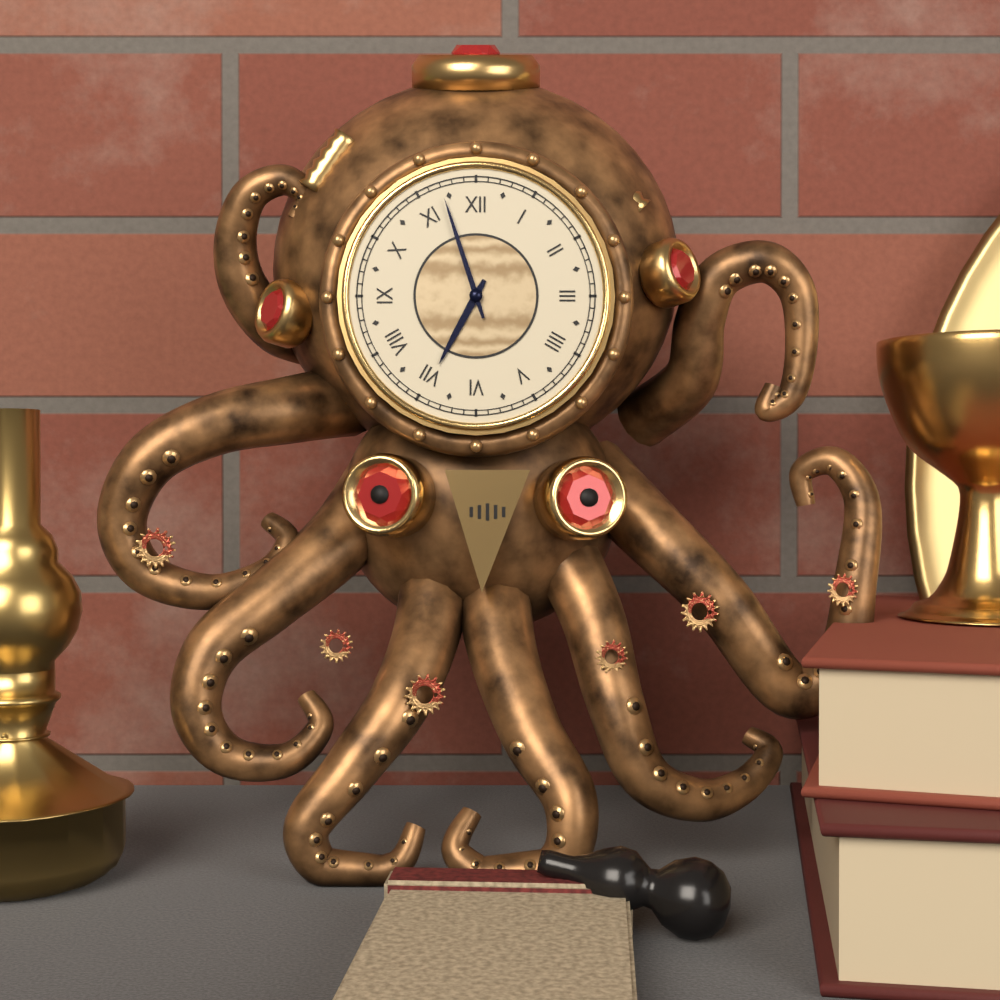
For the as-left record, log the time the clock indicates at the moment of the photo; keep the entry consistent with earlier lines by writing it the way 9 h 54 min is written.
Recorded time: 6 h 57 min
